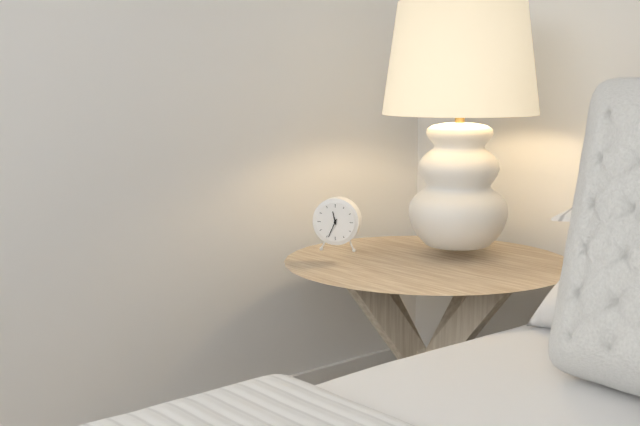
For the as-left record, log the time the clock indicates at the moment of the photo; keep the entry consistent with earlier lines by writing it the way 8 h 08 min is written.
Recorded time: 11 h 34 min
